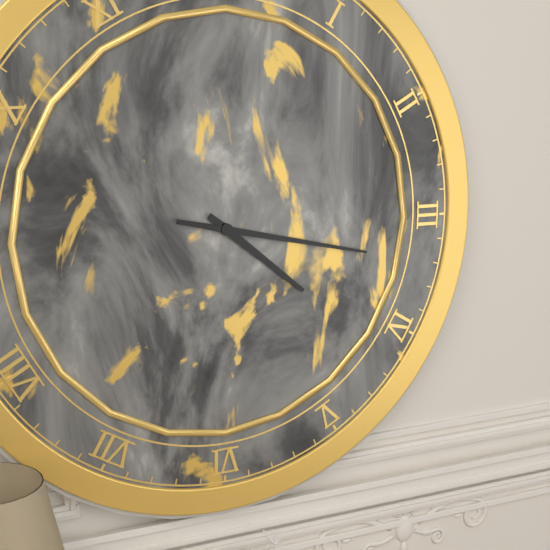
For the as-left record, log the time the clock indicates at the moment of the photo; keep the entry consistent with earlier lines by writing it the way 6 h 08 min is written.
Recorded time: 4 h 17 min
